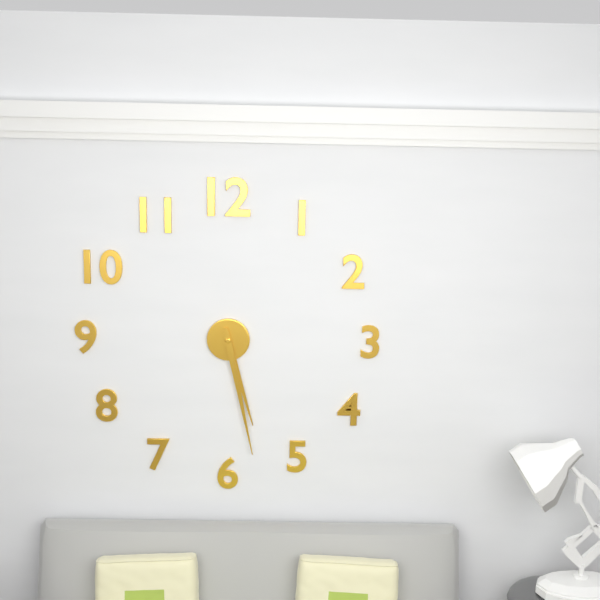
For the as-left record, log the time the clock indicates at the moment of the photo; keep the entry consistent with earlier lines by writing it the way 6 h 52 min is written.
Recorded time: 5 h 28 min
